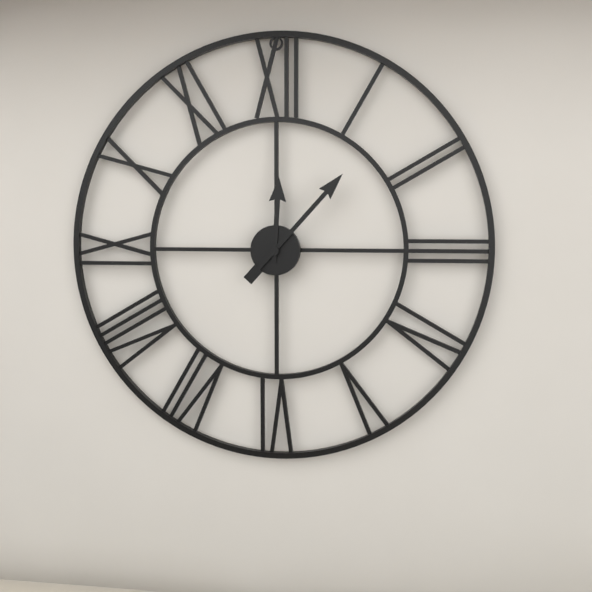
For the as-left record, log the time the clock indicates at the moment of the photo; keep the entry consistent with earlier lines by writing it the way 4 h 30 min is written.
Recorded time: 12 h 07 min
